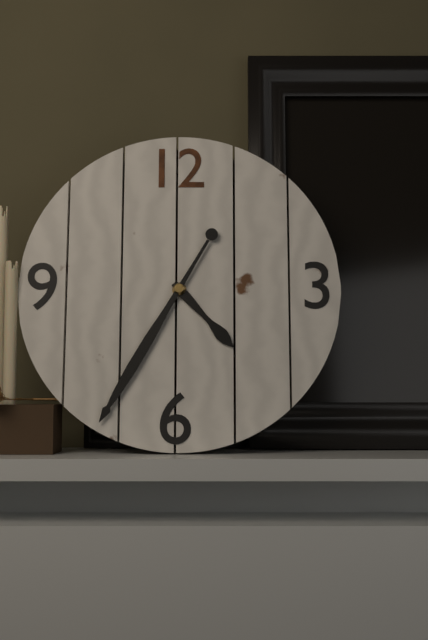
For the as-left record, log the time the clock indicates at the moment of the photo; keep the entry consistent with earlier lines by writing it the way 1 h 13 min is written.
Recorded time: 4 h 35 min
